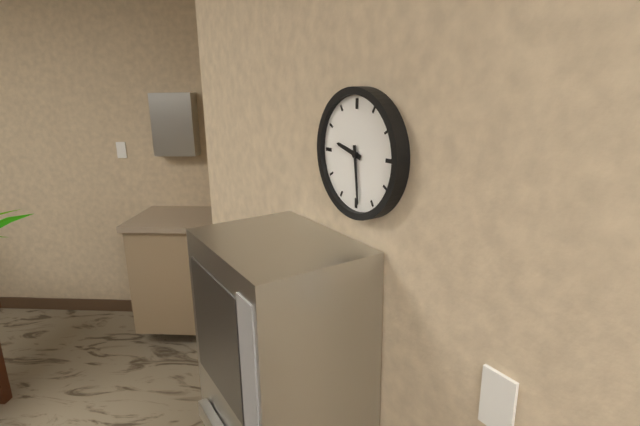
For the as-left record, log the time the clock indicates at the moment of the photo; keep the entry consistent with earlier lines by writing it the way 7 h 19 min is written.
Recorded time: 9 h 29 min
